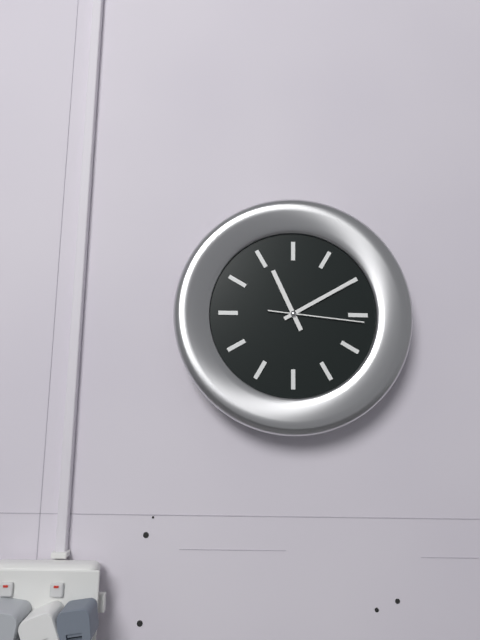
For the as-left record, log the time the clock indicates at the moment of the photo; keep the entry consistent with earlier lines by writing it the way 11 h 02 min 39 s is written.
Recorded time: 11 h 10 min 16 s
